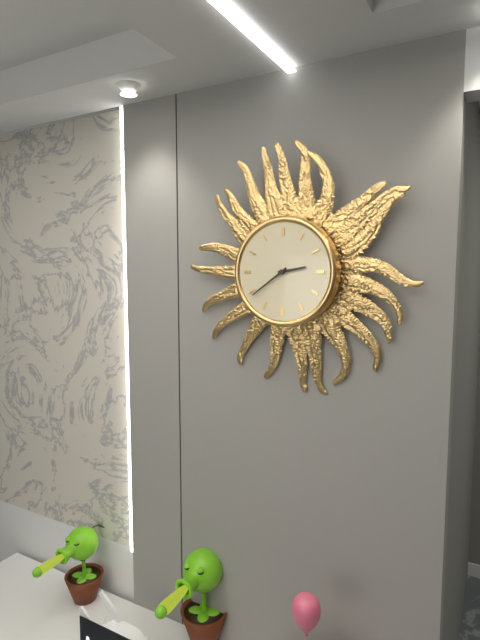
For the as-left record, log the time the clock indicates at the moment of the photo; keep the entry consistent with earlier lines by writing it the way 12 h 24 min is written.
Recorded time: 2 h 39 min
